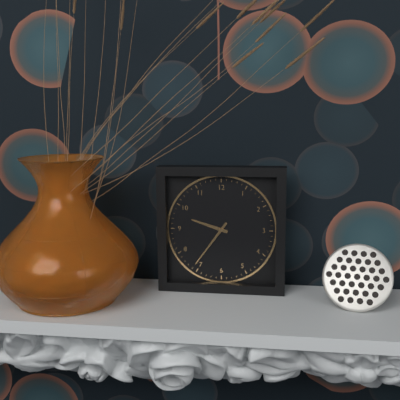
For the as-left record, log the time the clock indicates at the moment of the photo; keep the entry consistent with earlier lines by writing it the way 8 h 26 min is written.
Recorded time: 9 h 36 min
